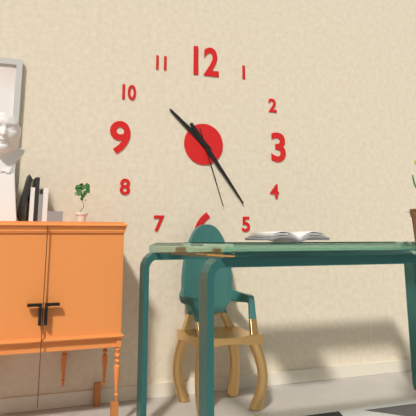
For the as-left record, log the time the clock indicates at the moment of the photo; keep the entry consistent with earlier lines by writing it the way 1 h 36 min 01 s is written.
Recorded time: 10 h 24 min 27 s
